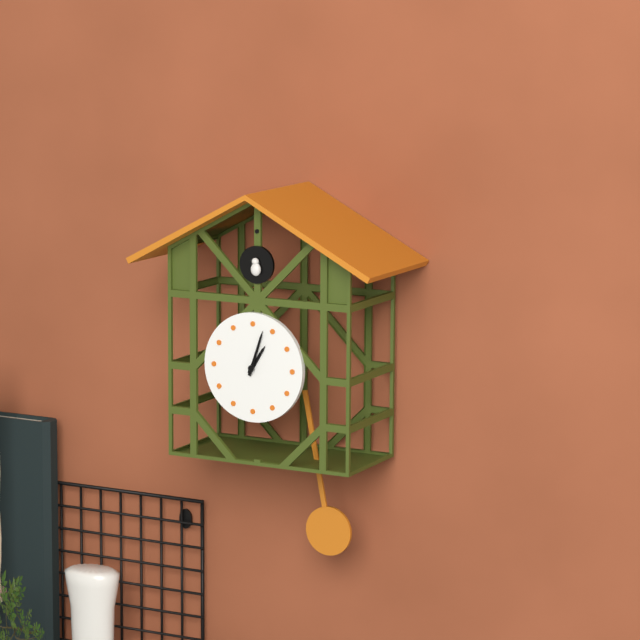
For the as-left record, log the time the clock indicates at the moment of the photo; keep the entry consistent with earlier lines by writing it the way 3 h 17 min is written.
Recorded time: 1 h 03 min
